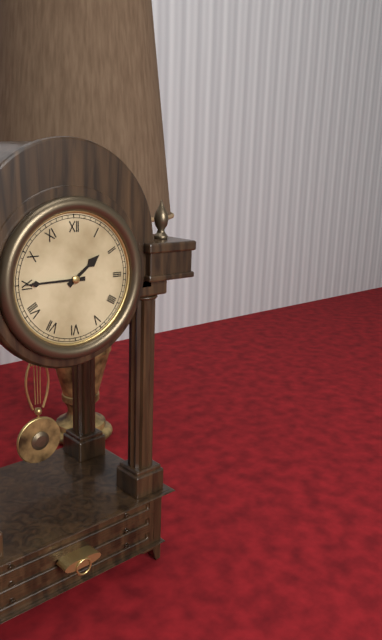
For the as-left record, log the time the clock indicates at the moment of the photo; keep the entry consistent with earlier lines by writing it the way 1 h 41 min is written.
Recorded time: 1 h 45 min
